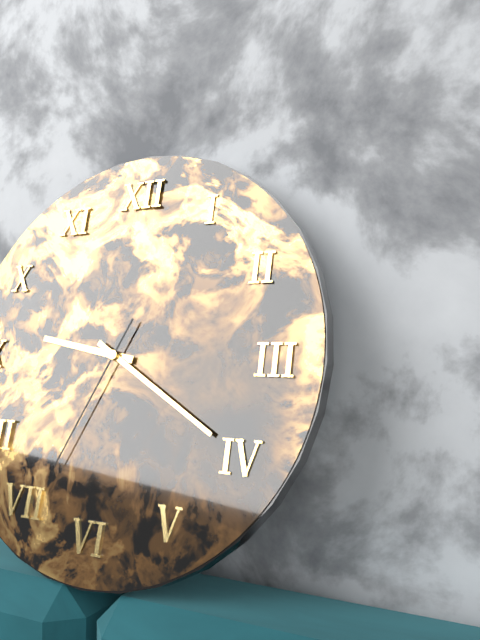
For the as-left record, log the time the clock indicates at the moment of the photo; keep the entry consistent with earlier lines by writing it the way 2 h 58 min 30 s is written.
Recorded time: 9 h 20 min 34 s
